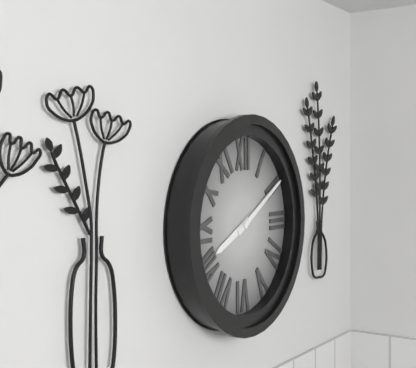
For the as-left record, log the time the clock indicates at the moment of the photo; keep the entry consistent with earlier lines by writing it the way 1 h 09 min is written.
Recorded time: 8 h 10 min
